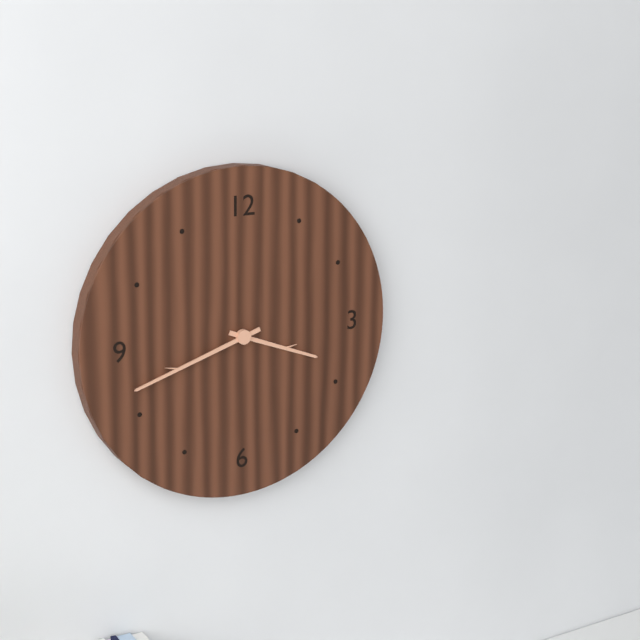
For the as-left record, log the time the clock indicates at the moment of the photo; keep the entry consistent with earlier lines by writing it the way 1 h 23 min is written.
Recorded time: 3 h 42 min
